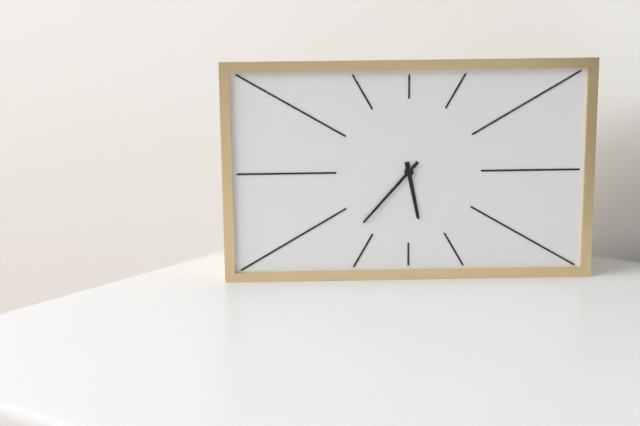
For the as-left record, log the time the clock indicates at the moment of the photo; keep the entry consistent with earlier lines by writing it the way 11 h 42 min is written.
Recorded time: 5 h 37 min
